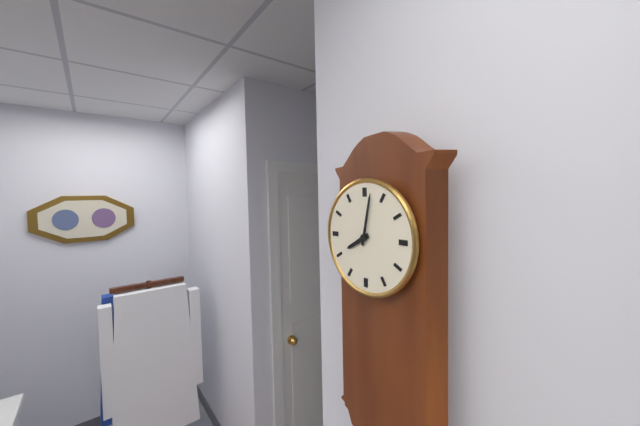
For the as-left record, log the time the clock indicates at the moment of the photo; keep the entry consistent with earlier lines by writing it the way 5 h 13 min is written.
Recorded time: 8 h 02 min
